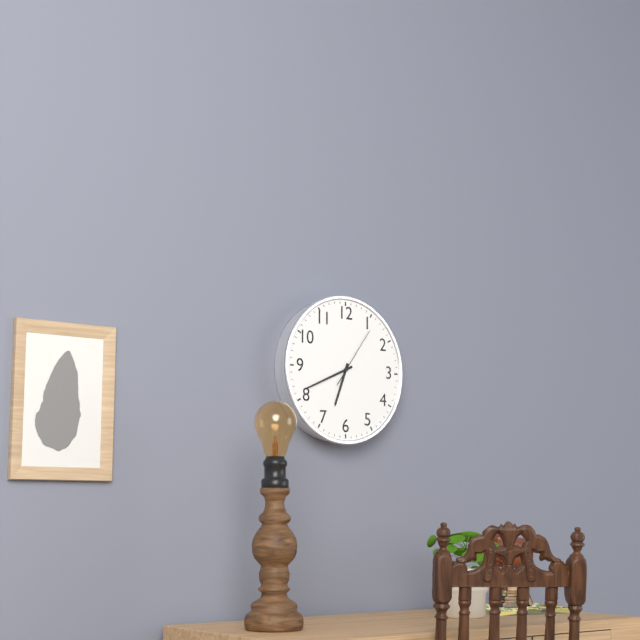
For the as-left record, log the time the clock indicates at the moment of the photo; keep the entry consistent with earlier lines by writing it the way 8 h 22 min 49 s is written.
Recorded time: 6 h 41 min 06 s
